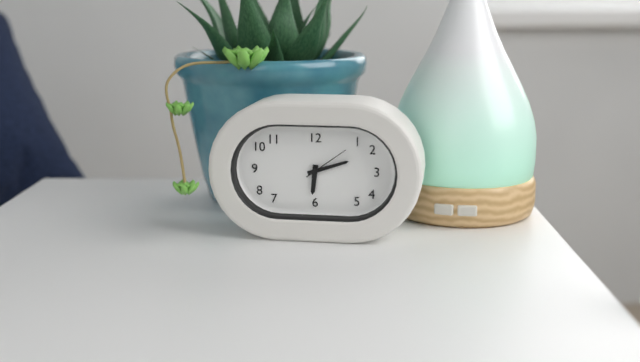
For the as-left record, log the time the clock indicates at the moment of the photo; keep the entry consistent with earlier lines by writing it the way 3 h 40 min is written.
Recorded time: 6 h 12 min
